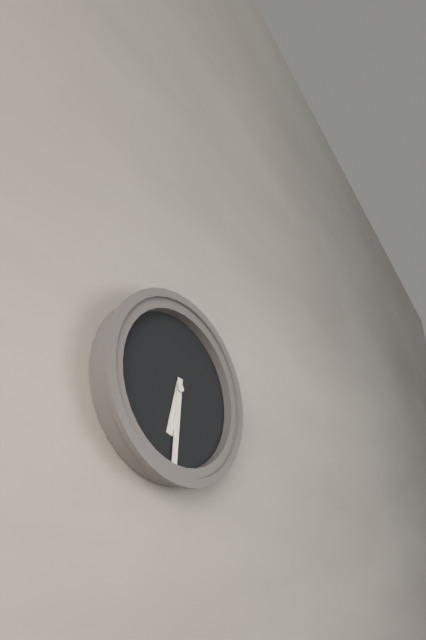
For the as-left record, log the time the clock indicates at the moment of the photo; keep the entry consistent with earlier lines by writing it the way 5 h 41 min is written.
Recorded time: 6 h 31 min
